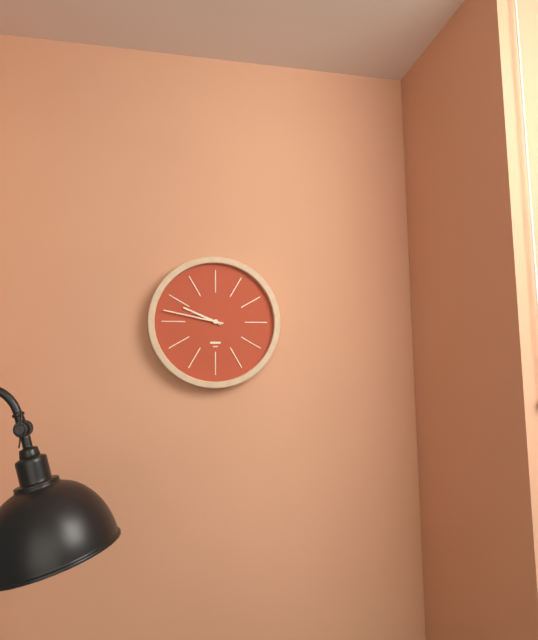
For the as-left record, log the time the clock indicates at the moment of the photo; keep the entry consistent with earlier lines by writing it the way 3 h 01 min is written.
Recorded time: 9 h 47 min
